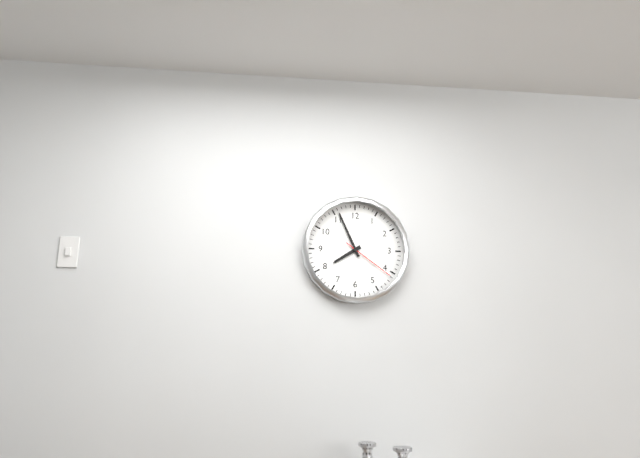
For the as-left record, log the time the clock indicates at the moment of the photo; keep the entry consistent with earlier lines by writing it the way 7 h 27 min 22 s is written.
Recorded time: 7 h 56 min 21 s
